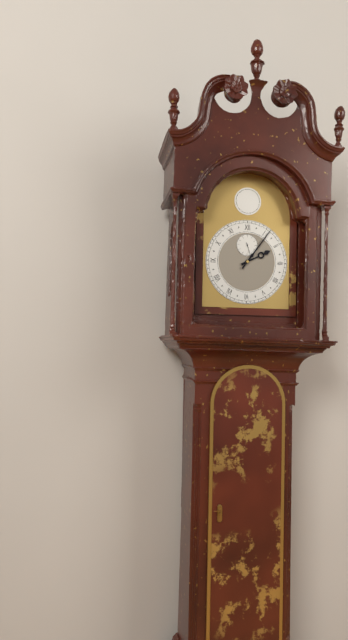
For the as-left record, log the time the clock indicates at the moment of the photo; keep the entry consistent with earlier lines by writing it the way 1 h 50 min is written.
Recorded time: 2 h 06 min
